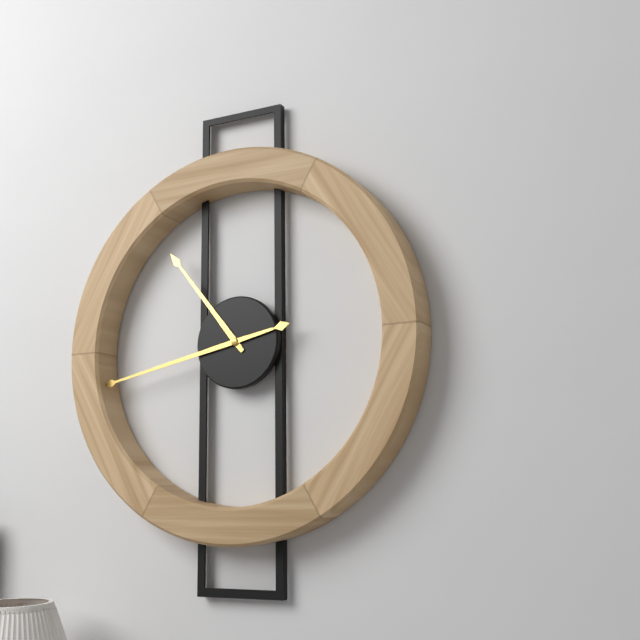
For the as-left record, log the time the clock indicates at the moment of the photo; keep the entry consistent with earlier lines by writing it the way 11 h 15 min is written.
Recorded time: 10 h 43 min
